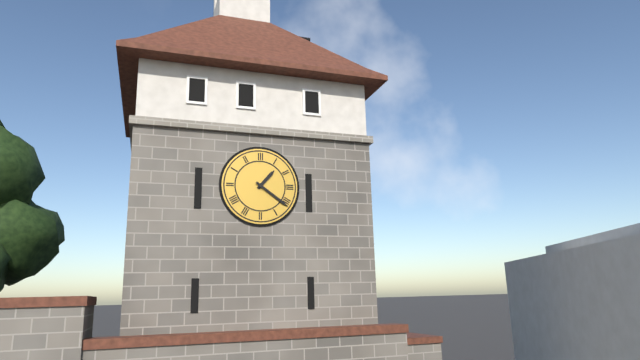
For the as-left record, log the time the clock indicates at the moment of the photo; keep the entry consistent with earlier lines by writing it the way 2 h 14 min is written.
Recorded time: 1 h 21 min
